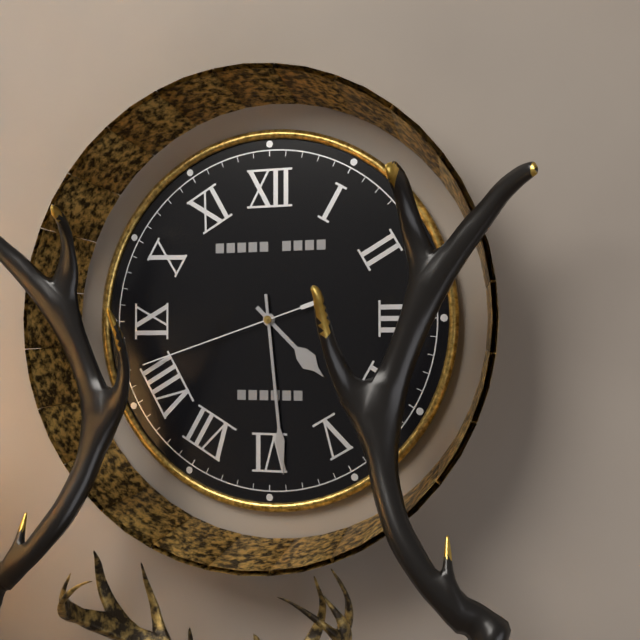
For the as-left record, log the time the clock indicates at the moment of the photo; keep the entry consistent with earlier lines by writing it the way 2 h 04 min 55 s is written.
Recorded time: 4 h 29 min 42 s
